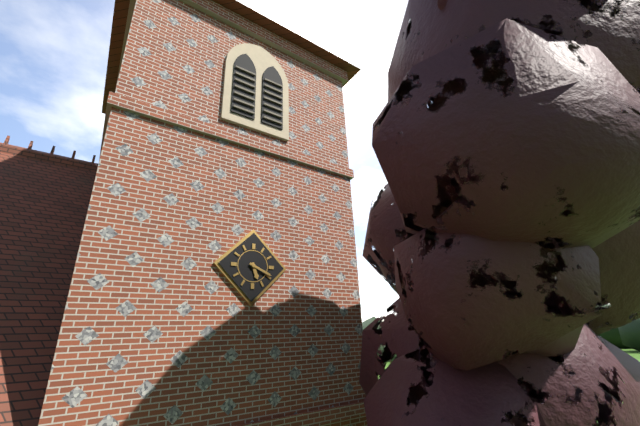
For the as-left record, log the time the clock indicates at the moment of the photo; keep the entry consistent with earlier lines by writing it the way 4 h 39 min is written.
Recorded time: 5 h 19 min
